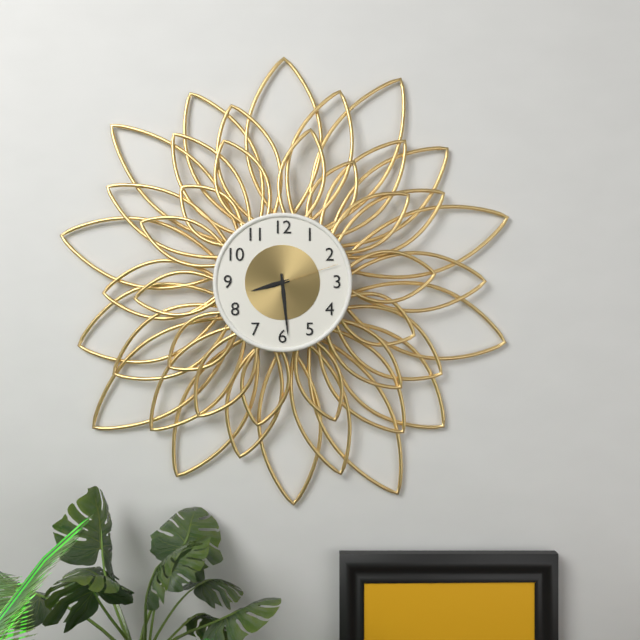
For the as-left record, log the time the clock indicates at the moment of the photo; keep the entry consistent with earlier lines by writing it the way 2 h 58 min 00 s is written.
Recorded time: 8 h 29 min 12 s
